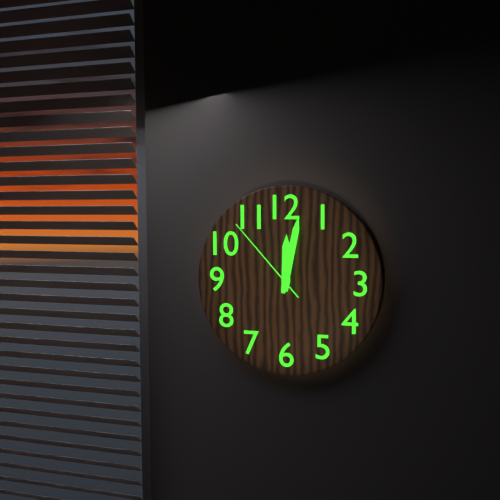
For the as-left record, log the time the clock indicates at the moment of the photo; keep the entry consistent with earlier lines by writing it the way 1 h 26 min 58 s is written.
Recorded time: 12 h 02 min 53 s
